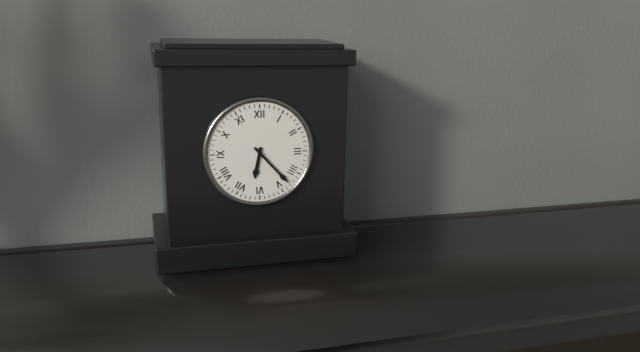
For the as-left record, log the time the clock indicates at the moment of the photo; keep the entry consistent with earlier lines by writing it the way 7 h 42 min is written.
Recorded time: 6 h 23 min
